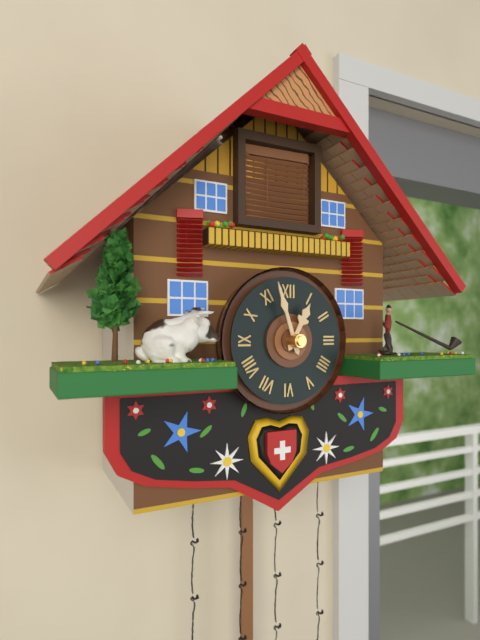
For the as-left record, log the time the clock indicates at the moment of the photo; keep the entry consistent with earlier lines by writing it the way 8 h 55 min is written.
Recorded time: 12 h 57 min
